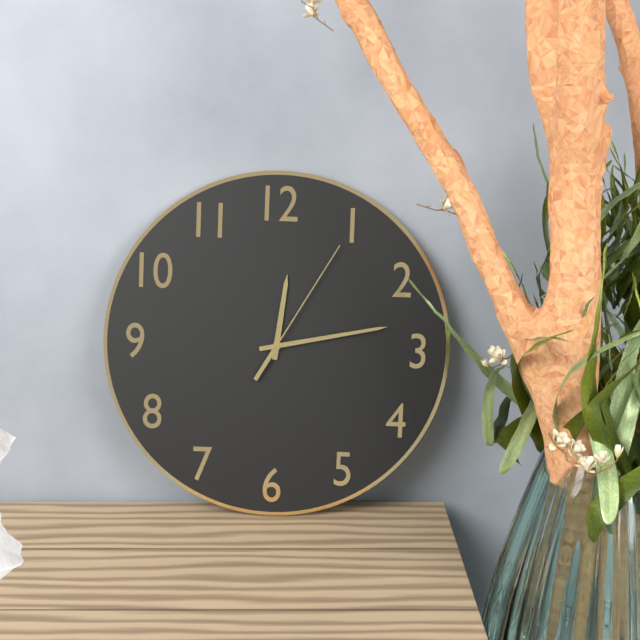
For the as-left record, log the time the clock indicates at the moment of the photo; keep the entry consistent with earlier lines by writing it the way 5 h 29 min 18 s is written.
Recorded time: 12 h 13 min 05 s
